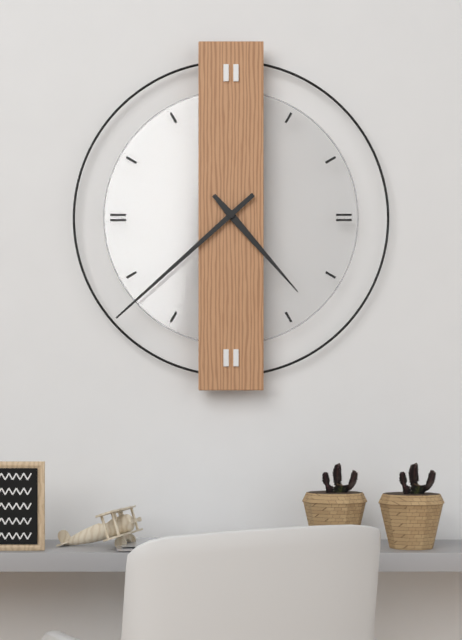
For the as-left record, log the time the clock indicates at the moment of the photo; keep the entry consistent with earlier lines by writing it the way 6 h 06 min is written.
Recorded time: 4 h 38 min
